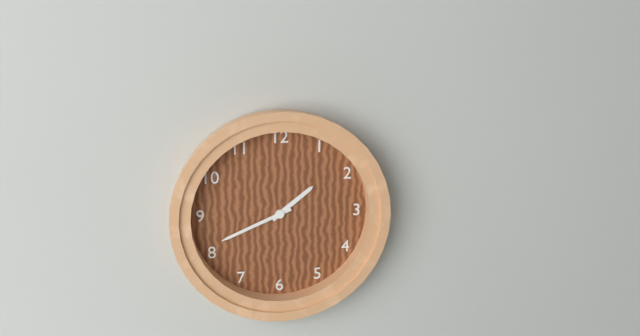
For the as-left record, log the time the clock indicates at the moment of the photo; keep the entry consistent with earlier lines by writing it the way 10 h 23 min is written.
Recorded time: 1 h 41 min
